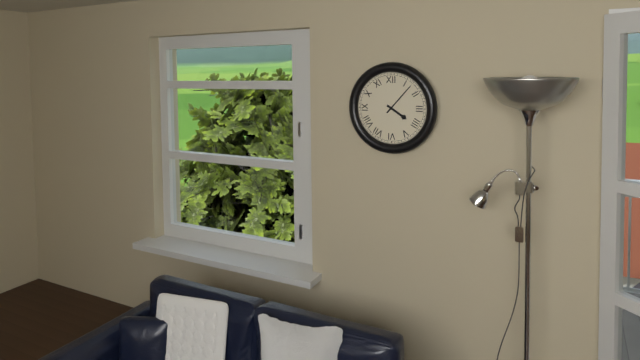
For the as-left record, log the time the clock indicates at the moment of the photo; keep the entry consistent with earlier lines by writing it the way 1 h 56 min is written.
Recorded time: 4 h 07 min
